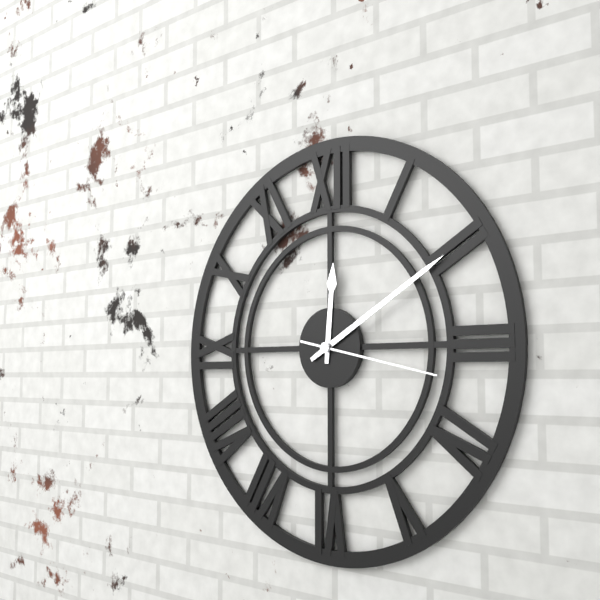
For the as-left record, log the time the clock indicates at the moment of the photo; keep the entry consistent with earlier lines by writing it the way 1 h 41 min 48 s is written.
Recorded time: 12 h 10 min 17 s
